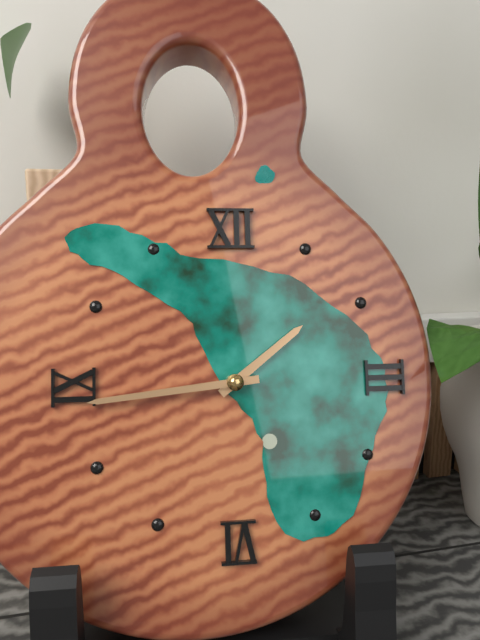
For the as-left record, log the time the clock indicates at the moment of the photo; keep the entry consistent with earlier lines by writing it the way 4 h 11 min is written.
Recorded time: 1 h 44 min
